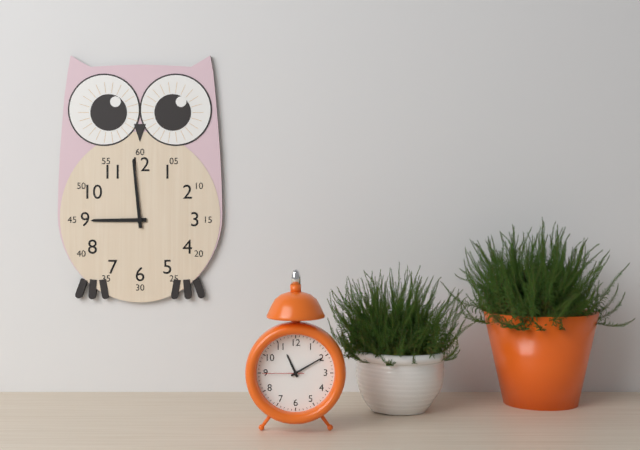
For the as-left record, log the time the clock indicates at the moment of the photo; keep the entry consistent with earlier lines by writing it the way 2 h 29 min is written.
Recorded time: 8 h 59 min
